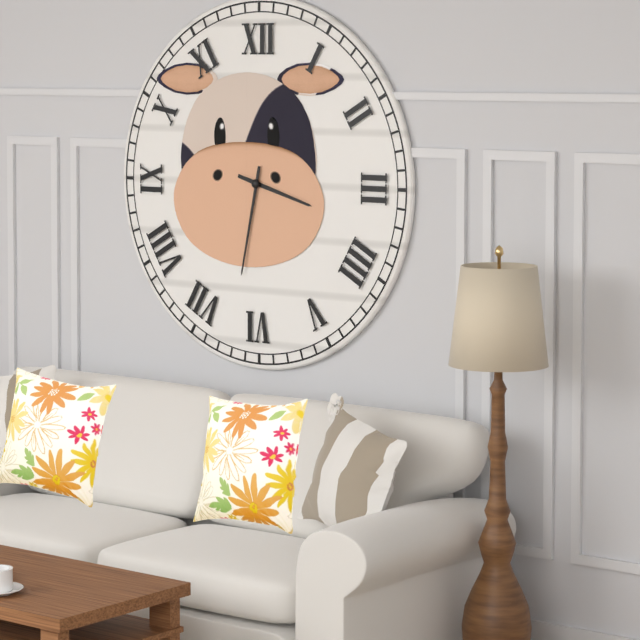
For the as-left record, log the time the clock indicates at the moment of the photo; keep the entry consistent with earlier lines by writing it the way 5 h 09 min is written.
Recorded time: 3 h 32 min
